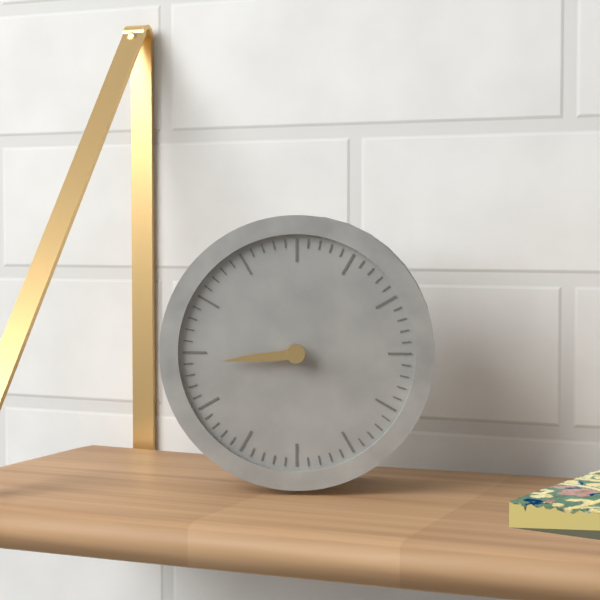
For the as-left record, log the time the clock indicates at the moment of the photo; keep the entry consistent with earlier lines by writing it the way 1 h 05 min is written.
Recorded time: 8 h 44 min
